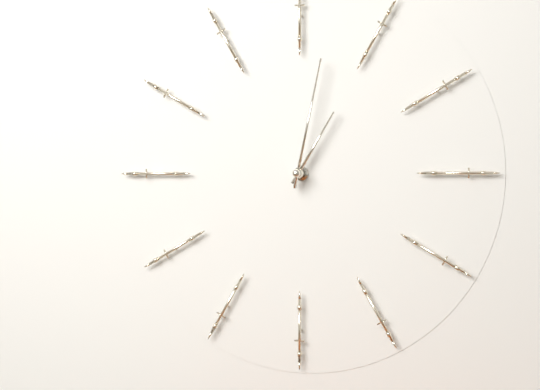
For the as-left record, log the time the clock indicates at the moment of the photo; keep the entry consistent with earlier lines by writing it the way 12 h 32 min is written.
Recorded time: 1 h 02 min
